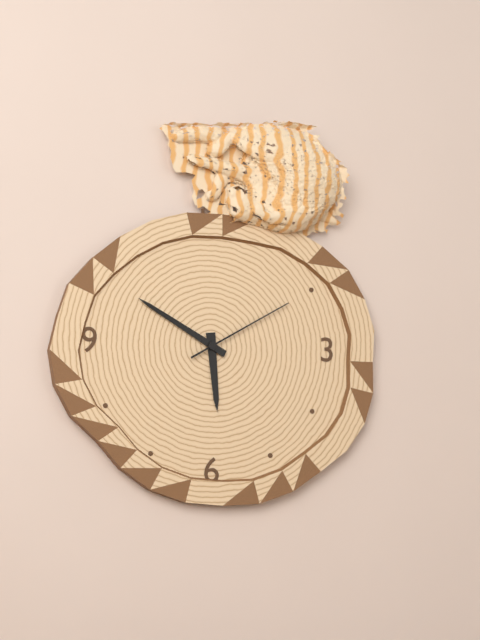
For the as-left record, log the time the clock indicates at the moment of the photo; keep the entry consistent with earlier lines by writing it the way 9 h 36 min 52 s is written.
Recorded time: 5 h 50 min 10 s
